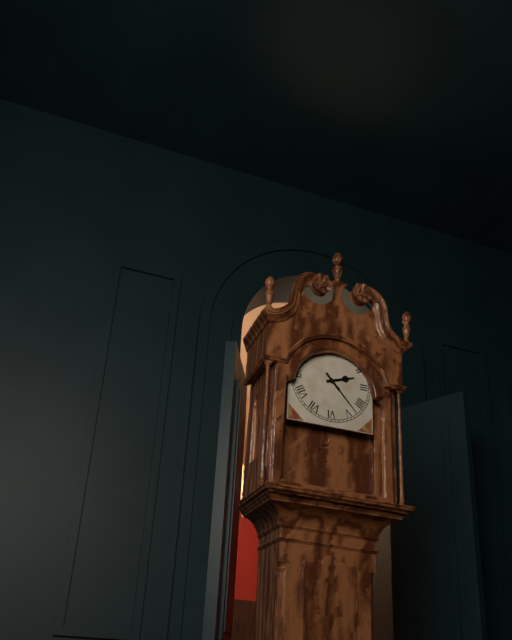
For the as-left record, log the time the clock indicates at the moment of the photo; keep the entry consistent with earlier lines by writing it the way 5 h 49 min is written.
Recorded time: 2 h 23 min
